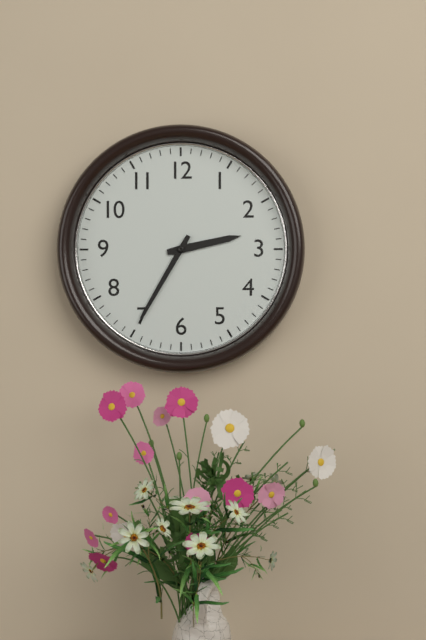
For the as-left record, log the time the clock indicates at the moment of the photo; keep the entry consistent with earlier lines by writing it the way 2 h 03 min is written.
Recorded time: 2 h 35 min
